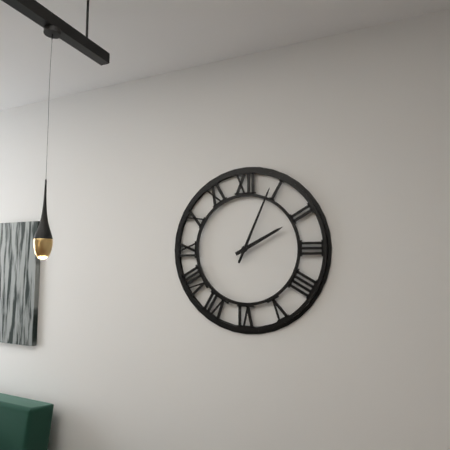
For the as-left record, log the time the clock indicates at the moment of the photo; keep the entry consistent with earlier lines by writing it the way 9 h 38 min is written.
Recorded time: 2 h 04 min
